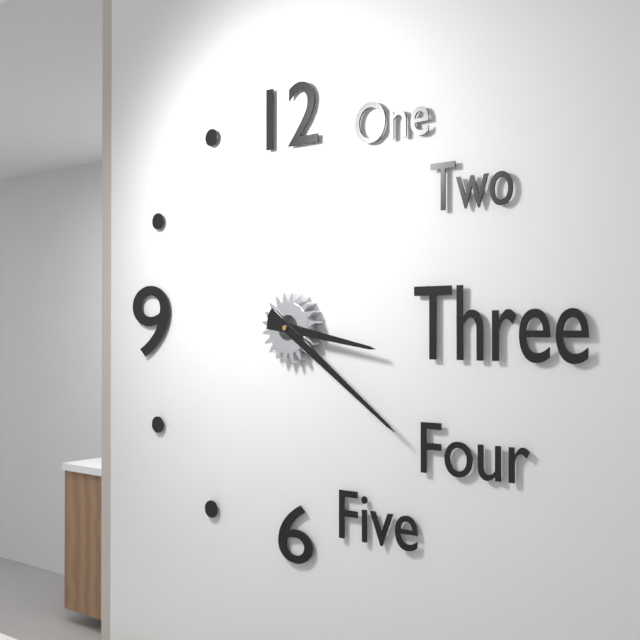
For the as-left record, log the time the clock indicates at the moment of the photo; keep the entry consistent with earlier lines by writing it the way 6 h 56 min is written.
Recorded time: 3 h 21 min
